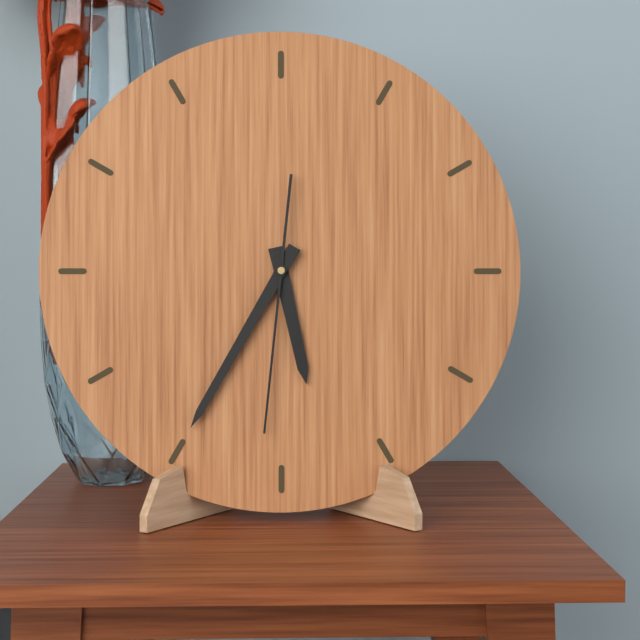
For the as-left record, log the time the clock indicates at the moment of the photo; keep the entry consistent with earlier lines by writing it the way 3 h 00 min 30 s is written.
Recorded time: 5 h 35 min 31 s
